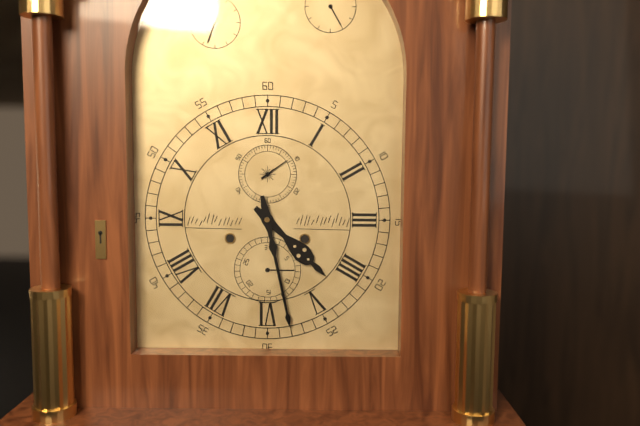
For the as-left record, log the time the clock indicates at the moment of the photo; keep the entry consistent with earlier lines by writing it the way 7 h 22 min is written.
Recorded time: 4 h 28 min
